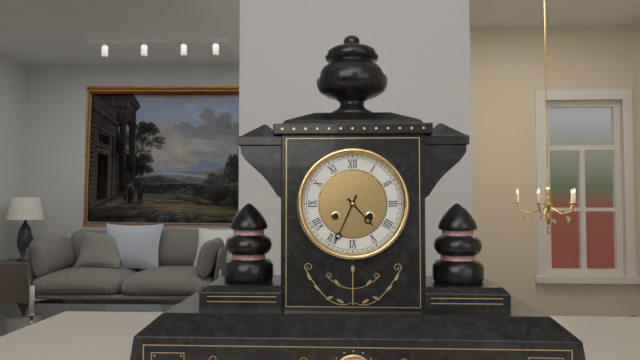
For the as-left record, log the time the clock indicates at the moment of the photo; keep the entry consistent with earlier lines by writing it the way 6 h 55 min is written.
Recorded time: 4 h 34 min
